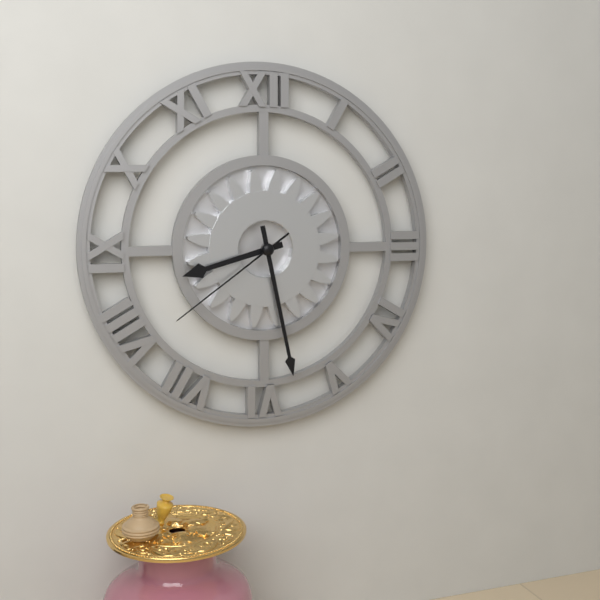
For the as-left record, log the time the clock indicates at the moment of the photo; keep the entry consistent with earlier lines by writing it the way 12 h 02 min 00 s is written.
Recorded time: 8 h 28 min 39 s
